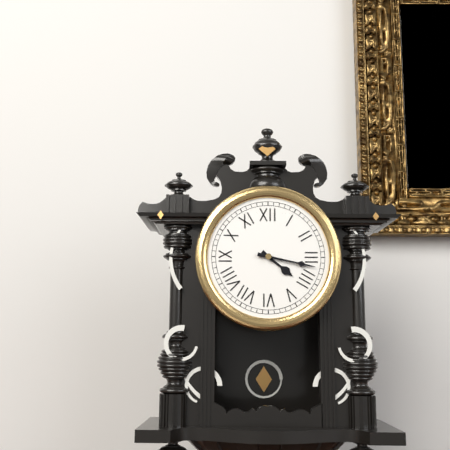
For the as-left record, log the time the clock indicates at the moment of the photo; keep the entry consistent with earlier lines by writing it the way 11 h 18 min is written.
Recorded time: 4 h 17 min
